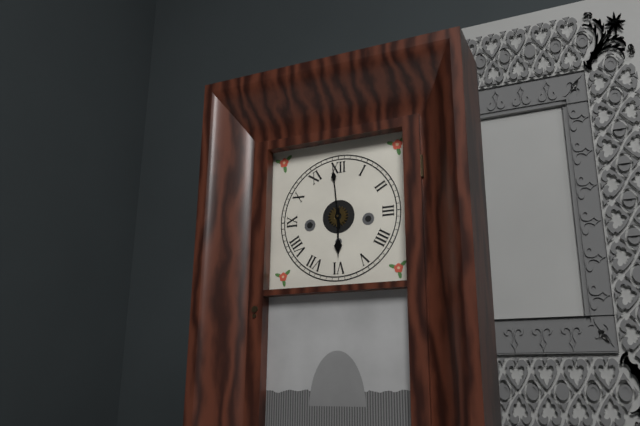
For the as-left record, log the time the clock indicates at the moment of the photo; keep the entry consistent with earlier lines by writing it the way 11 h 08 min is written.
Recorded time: 5 h 59 min
